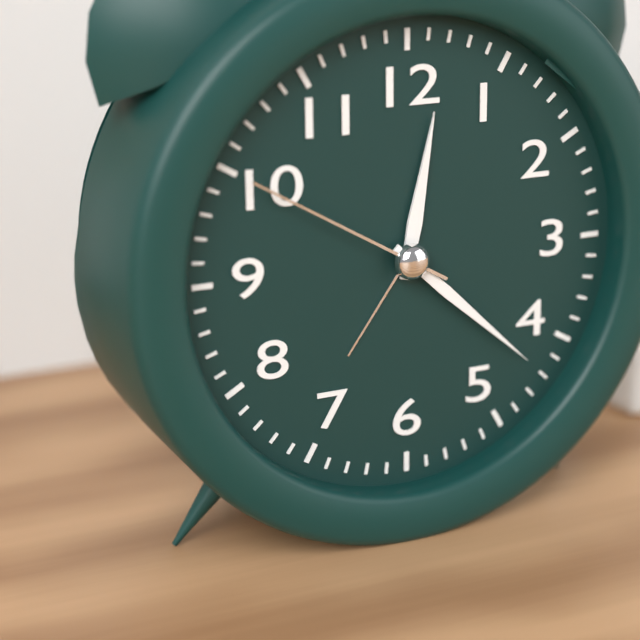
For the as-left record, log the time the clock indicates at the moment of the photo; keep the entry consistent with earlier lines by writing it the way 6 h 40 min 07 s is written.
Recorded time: 12 h 22 min 50 s
